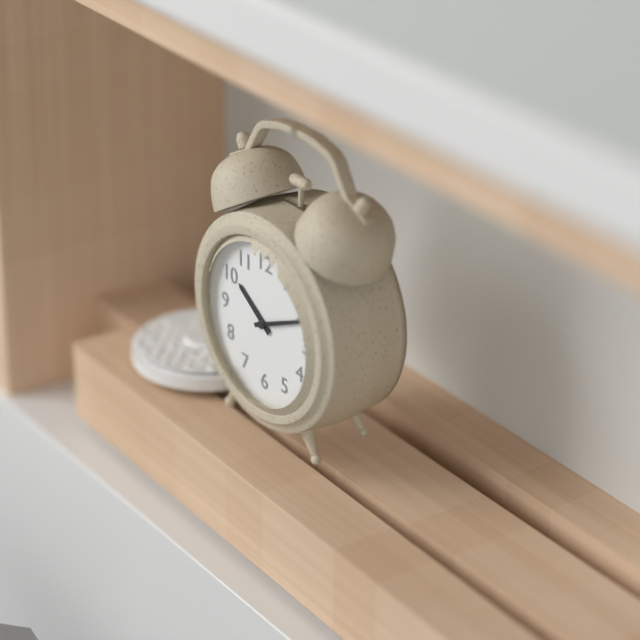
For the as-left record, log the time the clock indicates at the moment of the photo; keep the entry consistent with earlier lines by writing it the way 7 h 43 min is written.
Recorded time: 10 h 11 min
